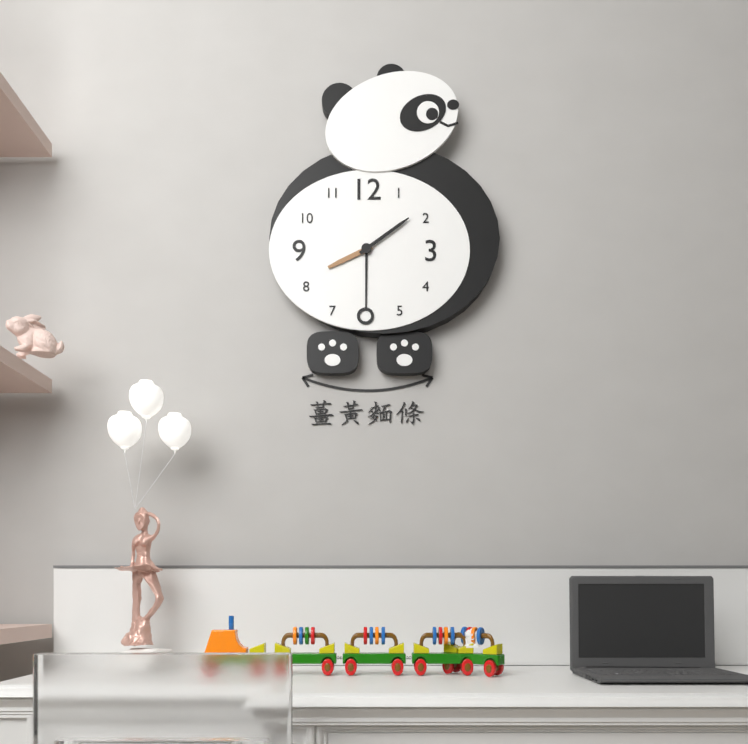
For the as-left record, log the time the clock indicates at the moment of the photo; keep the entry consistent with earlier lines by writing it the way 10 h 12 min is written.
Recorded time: 8 h 09 min
